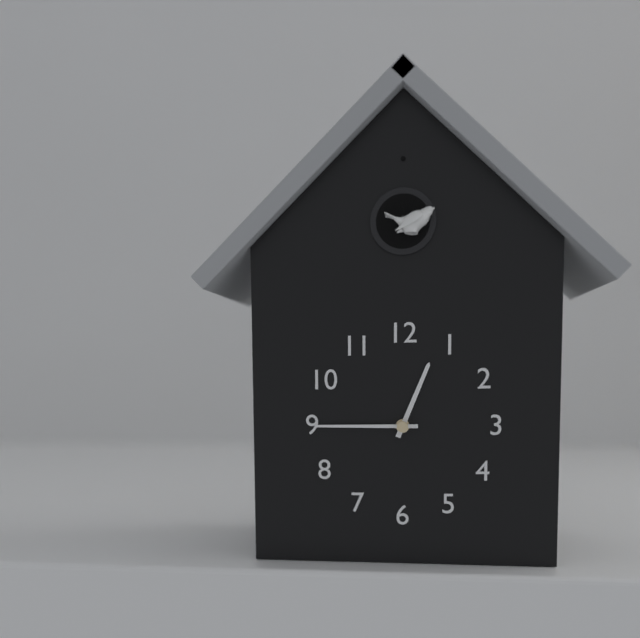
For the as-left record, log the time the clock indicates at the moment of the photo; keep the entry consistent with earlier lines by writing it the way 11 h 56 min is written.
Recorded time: 12 h 45 min
